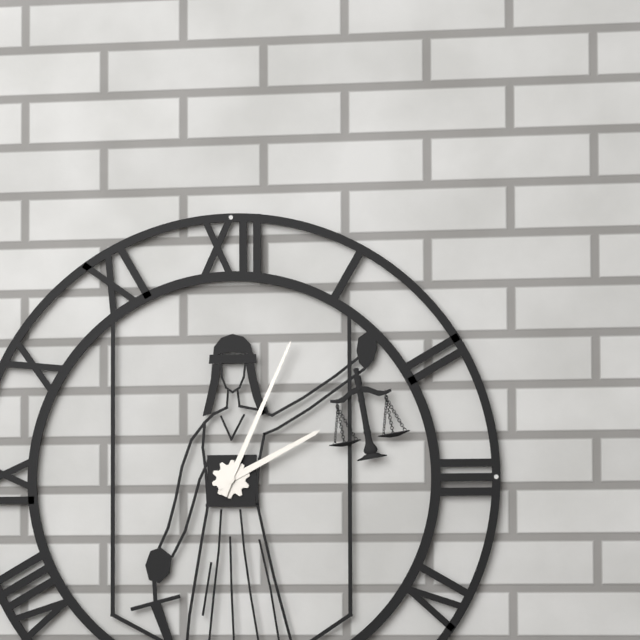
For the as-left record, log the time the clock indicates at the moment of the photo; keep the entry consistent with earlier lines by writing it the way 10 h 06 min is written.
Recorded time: 2 h 04 min
